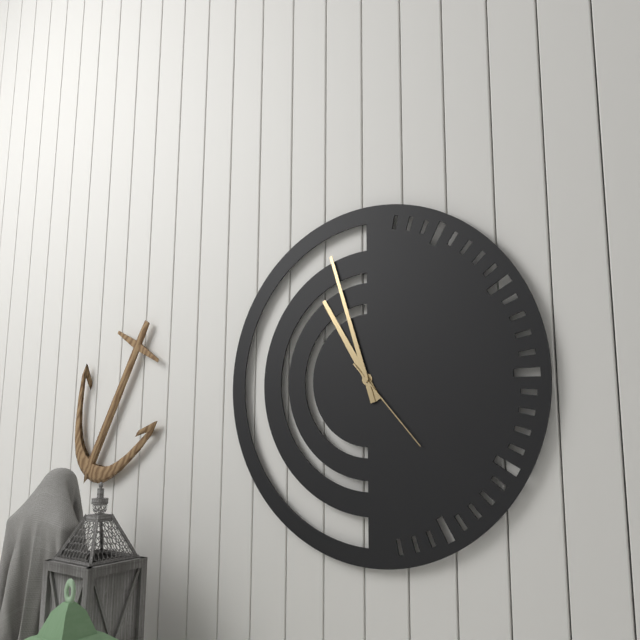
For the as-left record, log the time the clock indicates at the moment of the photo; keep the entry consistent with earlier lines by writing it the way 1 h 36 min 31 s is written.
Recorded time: 10 h 57 min 23 s
